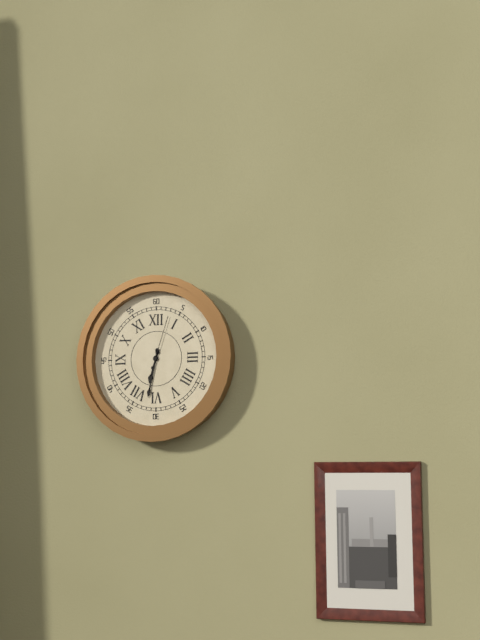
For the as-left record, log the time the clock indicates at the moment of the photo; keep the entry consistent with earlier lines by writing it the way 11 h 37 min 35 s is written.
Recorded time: 6 h 32 min 03 s
